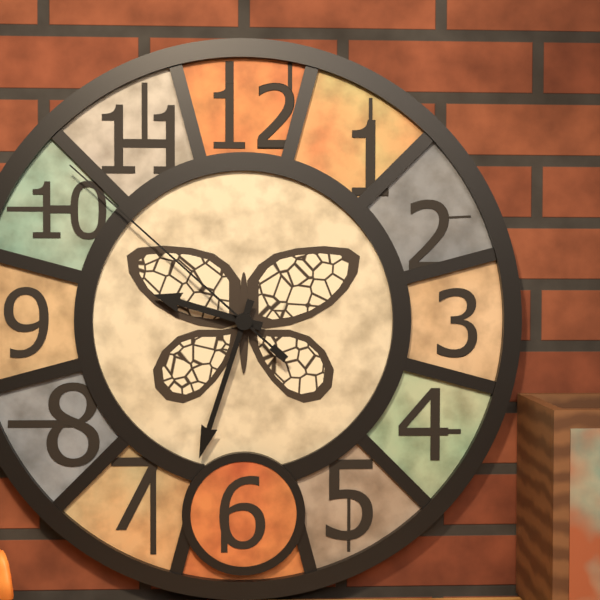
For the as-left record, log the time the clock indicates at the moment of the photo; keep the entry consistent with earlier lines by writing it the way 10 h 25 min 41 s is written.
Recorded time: 9 h 33 min 52 s
